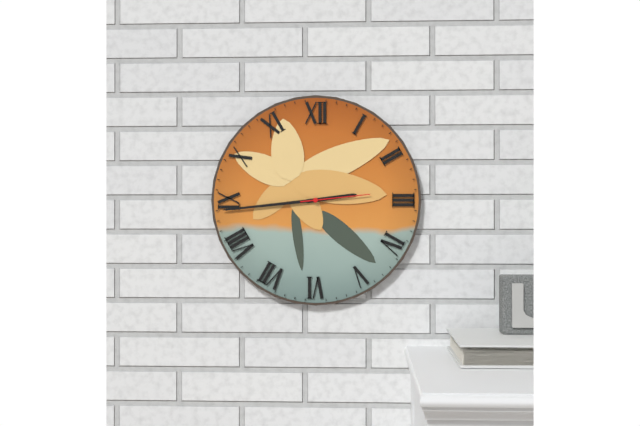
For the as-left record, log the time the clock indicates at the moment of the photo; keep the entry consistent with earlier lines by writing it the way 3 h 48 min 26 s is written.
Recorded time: 2 h 44 min 14 s
